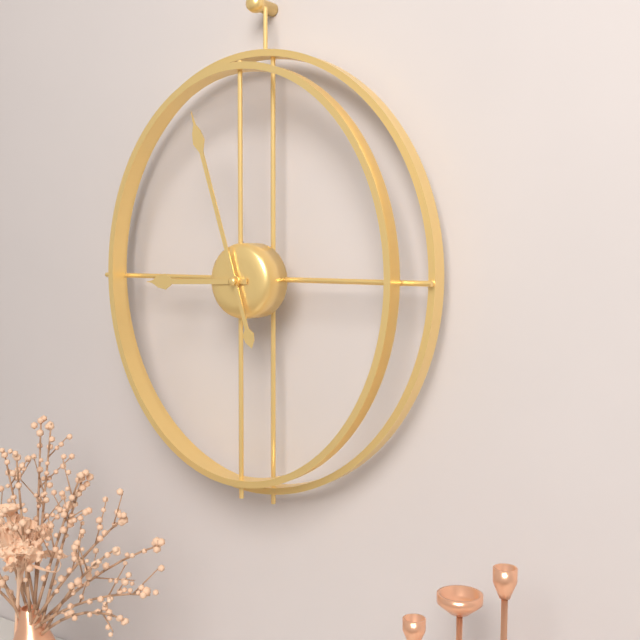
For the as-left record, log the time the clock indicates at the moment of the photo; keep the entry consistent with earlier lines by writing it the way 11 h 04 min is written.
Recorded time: 8 h 57 min
